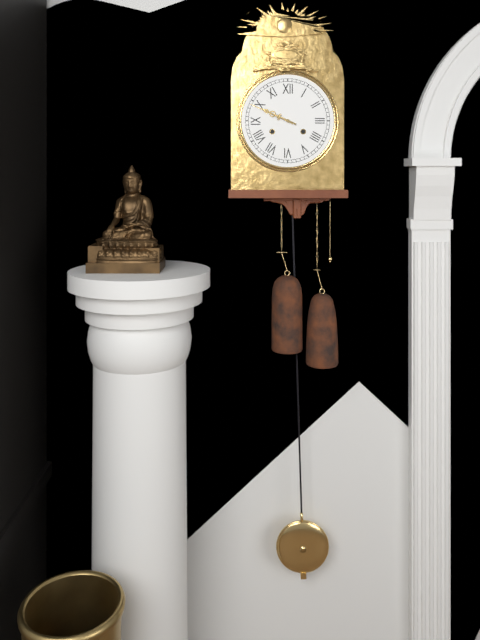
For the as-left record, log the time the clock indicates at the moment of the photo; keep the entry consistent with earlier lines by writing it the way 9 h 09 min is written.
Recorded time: 9 h 49 min
